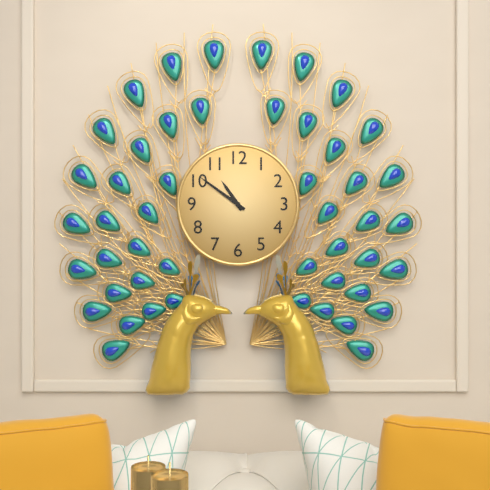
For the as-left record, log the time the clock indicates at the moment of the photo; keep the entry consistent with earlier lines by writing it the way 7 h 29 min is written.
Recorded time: 10 h 51 min
